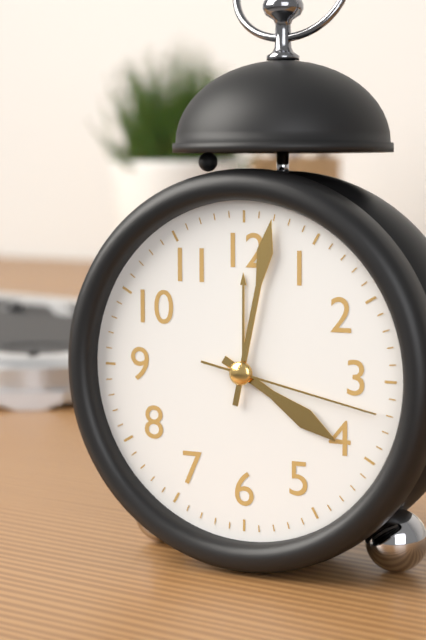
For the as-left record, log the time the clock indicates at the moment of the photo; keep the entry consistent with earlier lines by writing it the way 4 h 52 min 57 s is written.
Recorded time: 4 h 02 min 17 s
